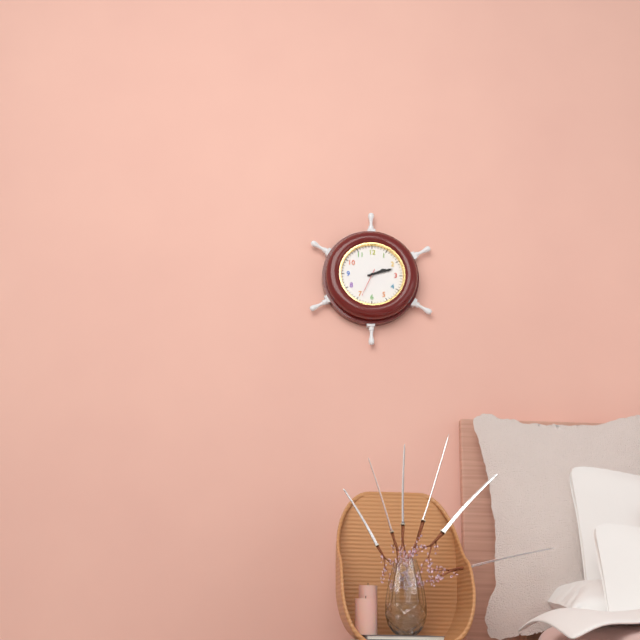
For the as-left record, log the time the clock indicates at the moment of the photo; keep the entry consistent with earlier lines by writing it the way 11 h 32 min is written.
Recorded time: 2 h 12 min
